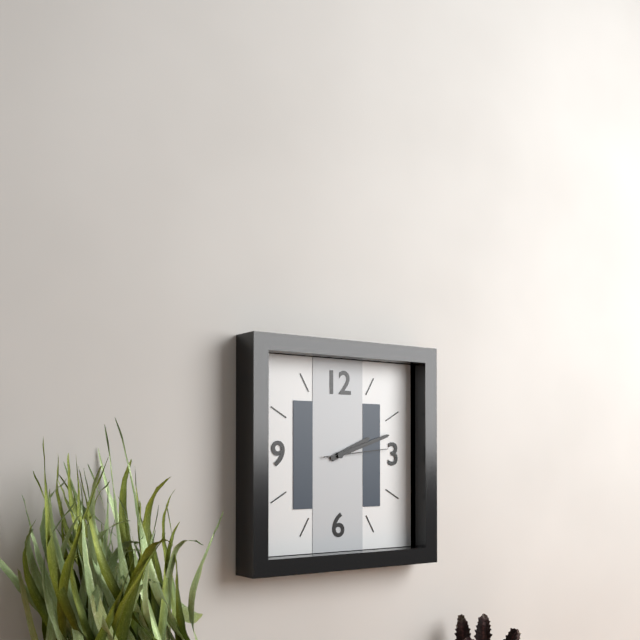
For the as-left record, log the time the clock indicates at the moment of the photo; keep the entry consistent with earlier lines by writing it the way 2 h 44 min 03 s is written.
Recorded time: 2 h 12 min 14 s
